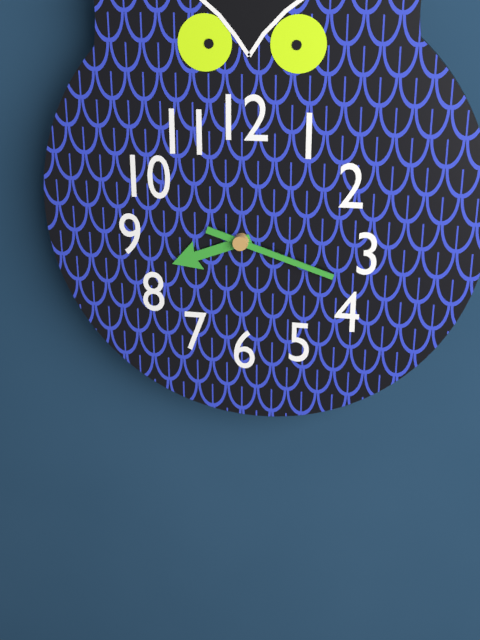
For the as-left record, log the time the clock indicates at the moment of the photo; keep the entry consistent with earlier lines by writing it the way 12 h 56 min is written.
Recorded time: 8 h 18 min
